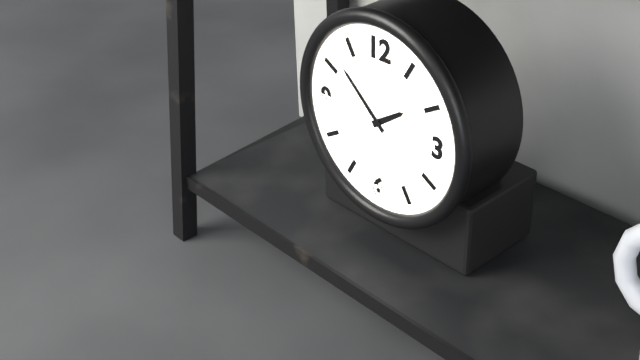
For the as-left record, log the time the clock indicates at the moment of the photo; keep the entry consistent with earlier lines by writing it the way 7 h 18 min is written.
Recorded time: 1 h 52 min
